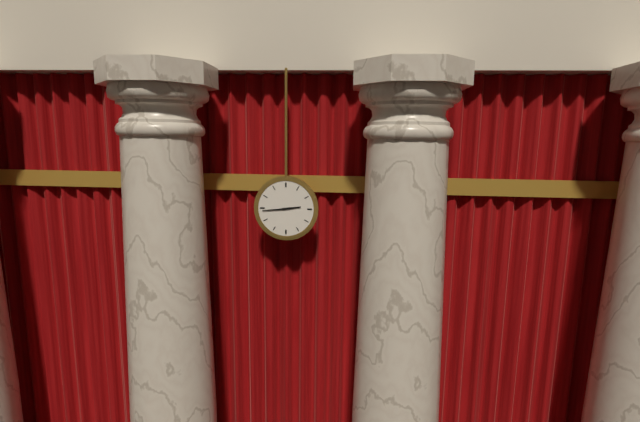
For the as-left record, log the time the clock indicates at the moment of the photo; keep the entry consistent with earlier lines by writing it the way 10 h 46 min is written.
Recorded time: 2 h 44 min
